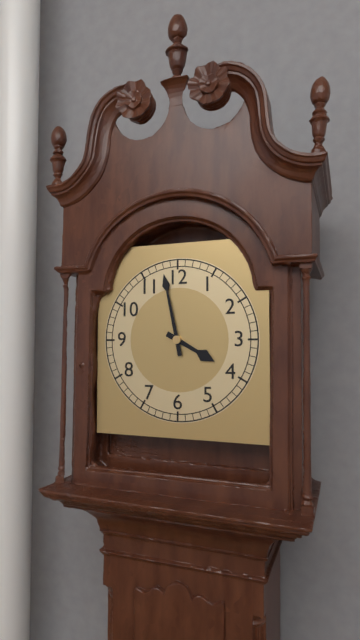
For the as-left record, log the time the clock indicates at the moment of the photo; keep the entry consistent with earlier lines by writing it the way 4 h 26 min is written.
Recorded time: 3 h 58 min
